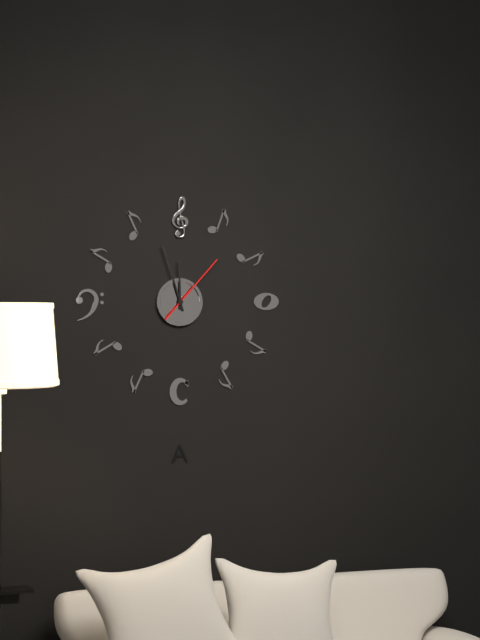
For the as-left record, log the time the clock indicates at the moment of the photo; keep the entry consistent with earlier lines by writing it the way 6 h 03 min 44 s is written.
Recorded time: 11 h 57 min 07 s
